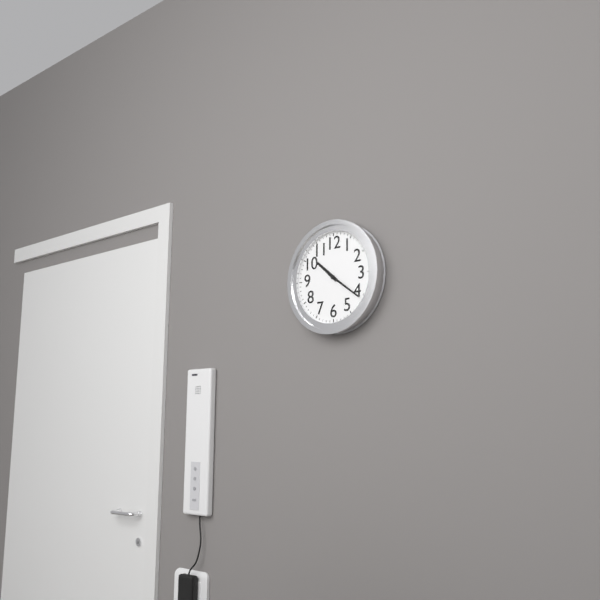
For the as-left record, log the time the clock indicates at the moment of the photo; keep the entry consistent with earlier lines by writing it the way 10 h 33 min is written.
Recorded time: 10 h 21 min
